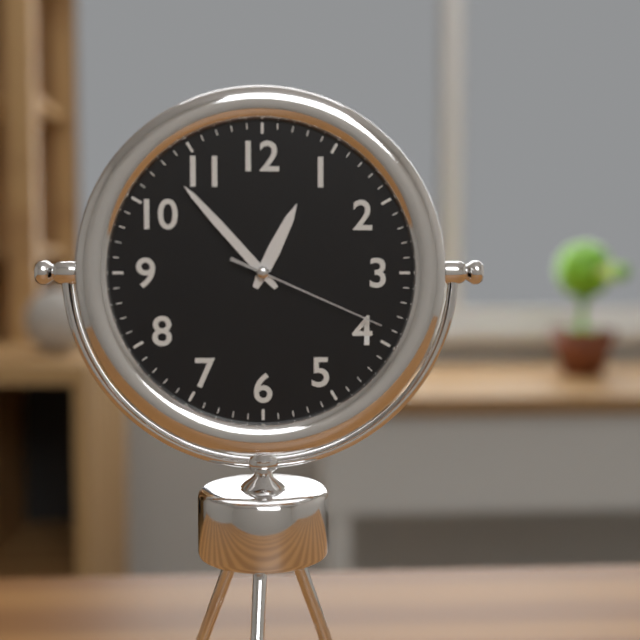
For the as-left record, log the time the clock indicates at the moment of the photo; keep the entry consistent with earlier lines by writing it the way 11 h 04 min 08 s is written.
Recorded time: 12 h 53 min 19 s
